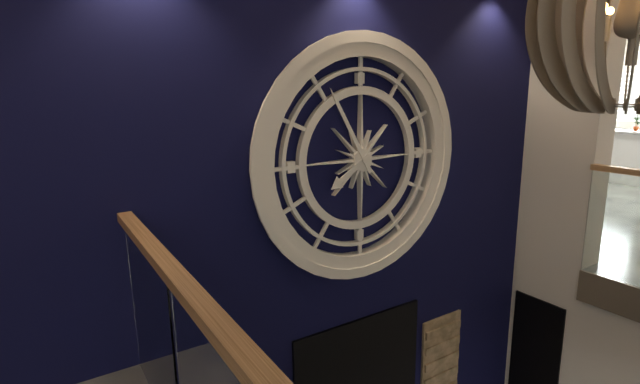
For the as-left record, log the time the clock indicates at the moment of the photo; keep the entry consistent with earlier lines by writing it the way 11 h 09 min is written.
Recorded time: 7 h 55 min
